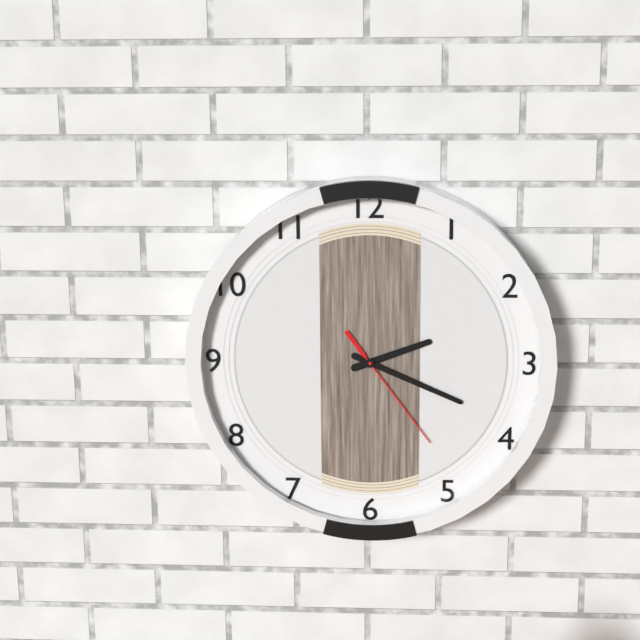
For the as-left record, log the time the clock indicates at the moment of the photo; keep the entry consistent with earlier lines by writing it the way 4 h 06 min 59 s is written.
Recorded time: 2 h 19 min 24 s
